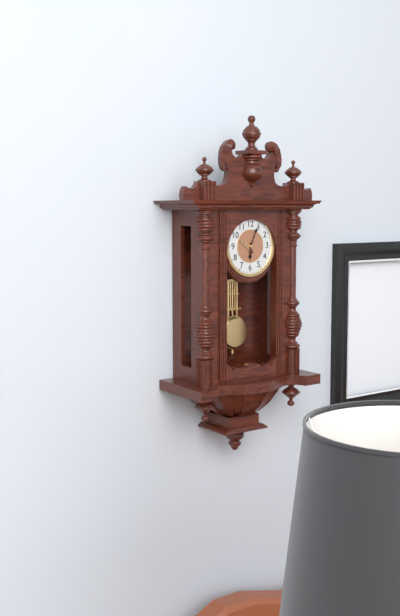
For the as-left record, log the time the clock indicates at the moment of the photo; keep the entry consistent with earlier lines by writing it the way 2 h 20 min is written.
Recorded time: 6 h 04 min
